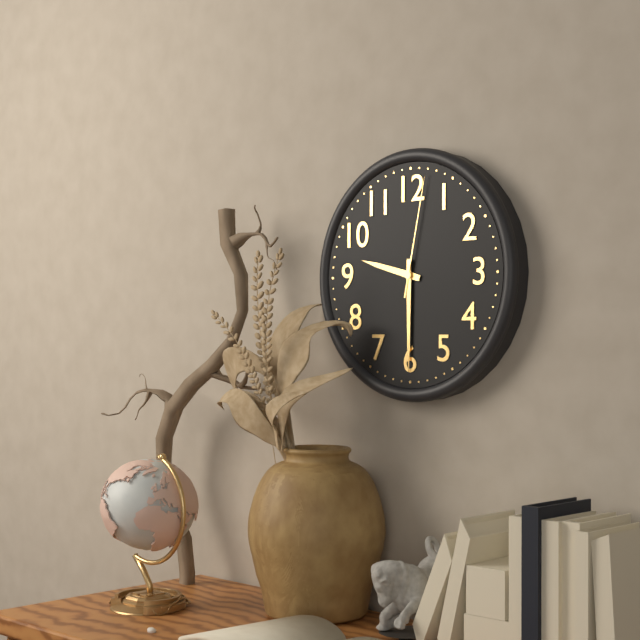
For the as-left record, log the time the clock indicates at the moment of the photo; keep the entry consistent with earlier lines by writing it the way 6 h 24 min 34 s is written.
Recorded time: 9 h 30 min 02 s
